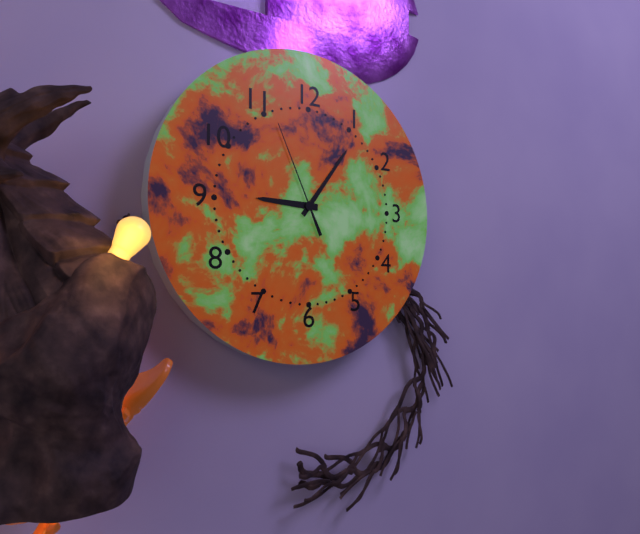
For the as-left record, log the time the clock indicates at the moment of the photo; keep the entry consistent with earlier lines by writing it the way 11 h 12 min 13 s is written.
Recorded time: 9 h 06 min 56 s
